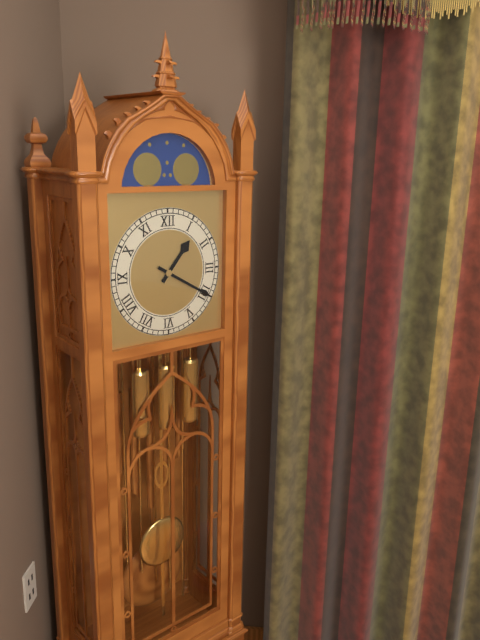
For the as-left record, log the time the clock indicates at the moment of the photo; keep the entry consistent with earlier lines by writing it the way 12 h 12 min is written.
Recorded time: 1 h 20 min
